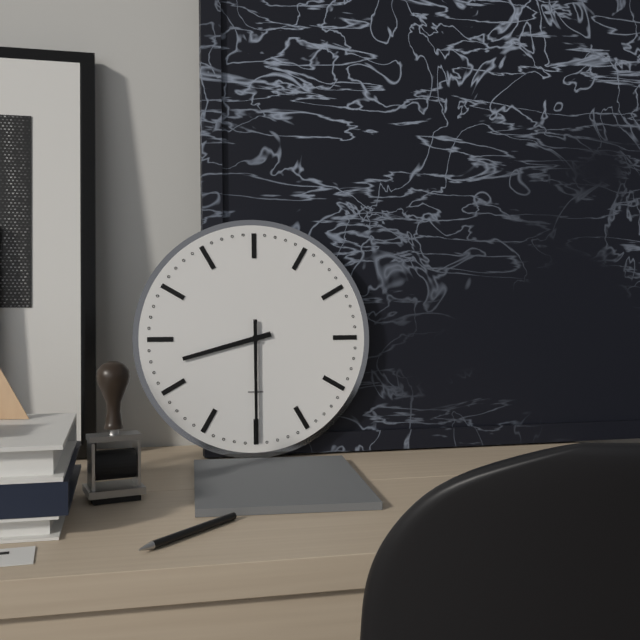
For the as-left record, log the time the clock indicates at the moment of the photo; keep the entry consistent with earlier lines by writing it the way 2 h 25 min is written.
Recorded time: 8 h 30 min
